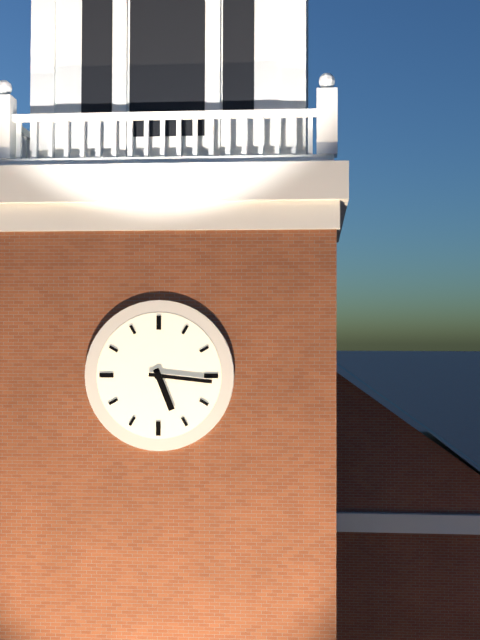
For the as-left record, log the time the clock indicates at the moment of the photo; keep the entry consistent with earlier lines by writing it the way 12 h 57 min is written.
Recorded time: 5 h 16 min
